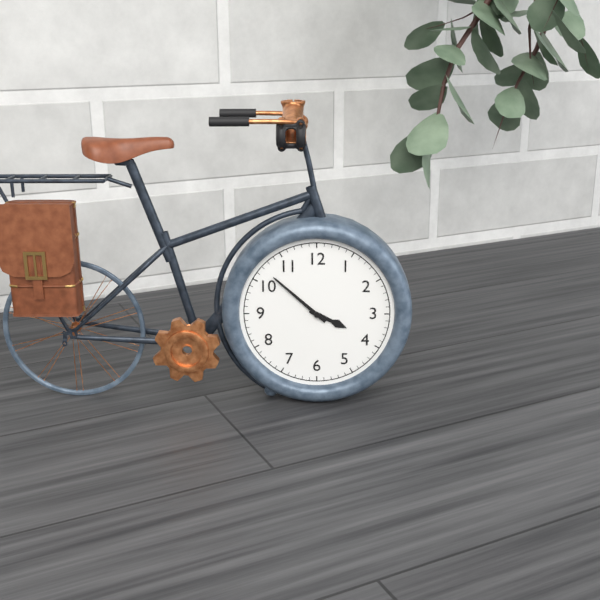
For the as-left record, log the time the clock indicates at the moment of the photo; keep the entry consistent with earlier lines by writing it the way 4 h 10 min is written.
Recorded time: 3 h 52 min
